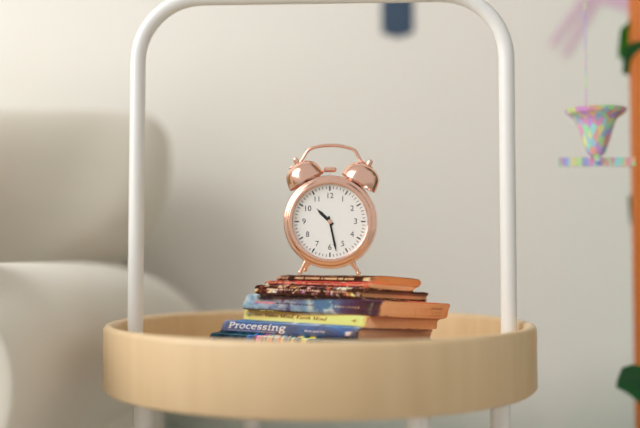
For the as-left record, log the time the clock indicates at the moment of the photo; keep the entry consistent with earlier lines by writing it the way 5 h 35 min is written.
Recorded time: 10 h 28 min
